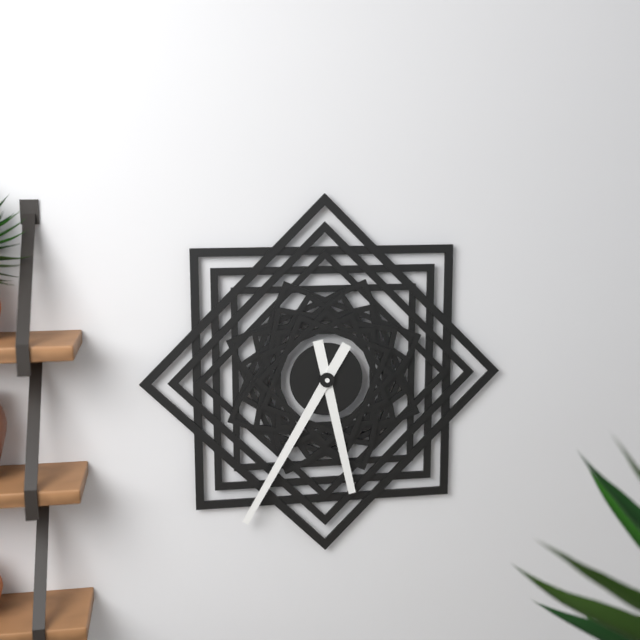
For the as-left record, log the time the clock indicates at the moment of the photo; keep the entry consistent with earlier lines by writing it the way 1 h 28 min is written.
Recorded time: 5 h 35 min
